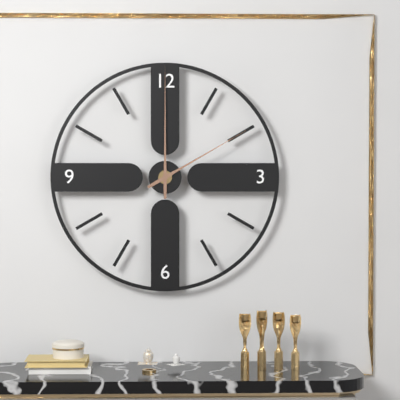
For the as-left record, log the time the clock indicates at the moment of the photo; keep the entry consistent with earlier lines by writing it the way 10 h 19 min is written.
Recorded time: 2 h 00 min
